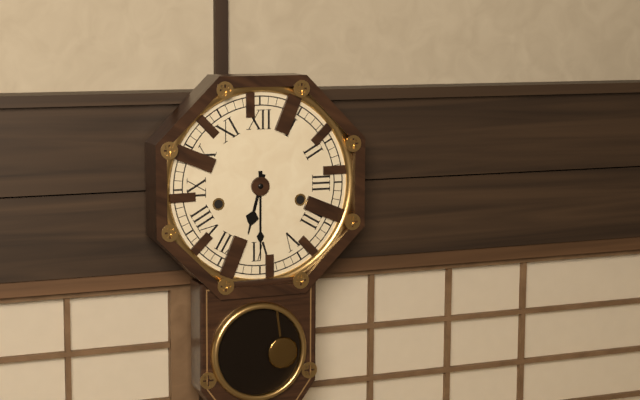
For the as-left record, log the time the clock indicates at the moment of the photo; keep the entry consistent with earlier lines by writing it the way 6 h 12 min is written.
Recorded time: 6 h 30 min
